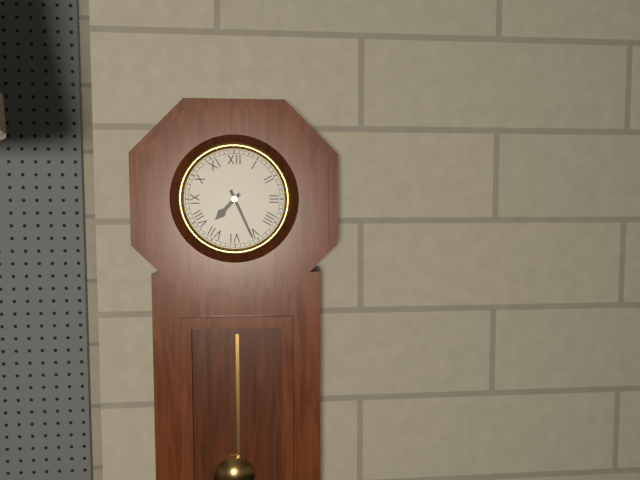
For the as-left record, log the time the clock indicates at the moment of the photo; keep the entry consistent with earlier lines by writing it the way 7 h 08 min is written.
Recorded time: 7 h 26 min
